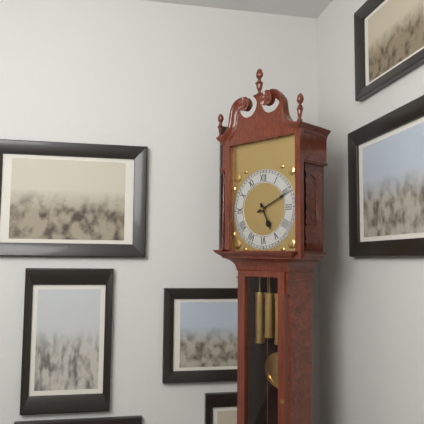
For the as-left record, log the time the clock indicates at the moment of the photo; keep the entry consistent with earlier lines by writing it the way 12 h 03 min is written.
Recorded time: 5 h 11 min
